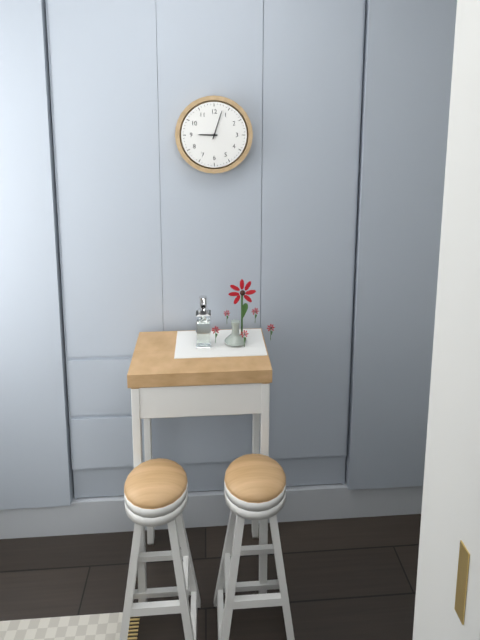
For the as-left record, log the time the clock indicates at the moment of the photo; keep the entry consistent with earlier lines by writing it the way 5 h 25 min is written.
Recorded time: 9 h 03 min
